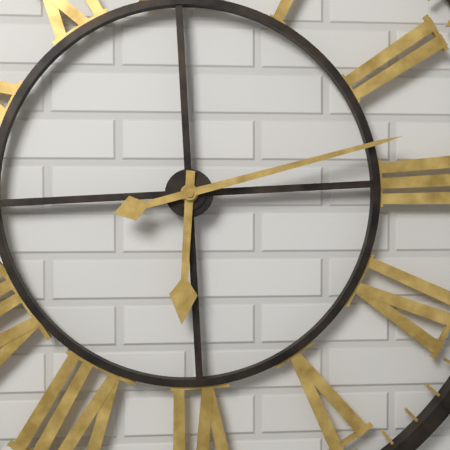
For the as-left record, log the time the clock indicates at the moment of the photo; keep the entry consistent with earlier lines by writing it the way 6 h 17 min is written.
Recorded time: 6 h 13 min
